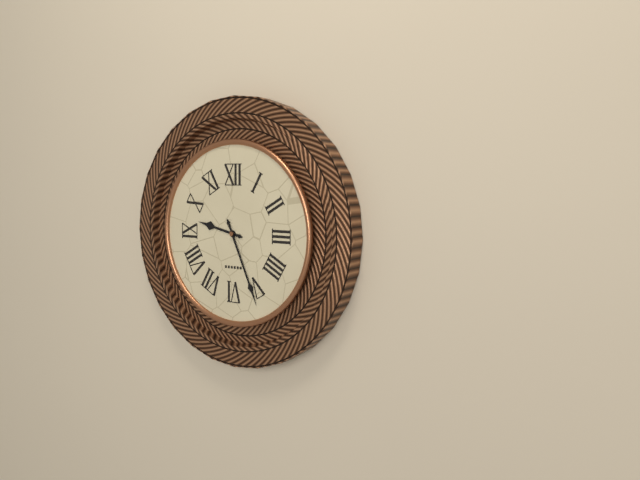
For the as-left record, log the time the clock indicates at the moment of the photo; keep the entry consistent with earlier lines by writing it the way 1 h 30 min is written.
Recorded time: 9 h 26 min
